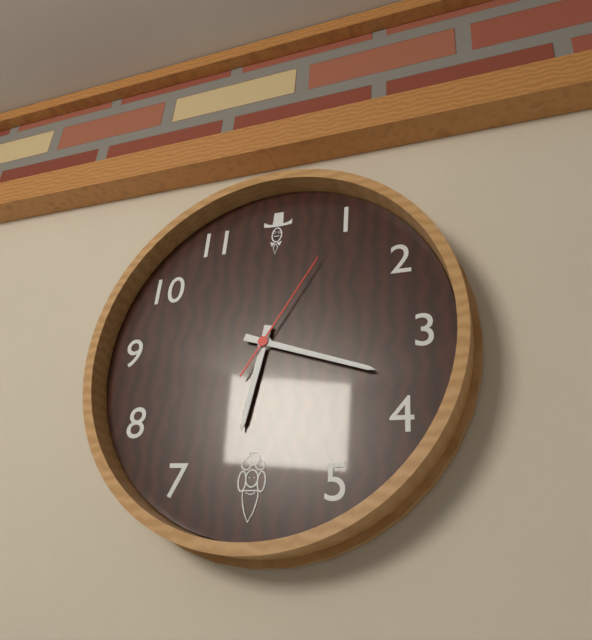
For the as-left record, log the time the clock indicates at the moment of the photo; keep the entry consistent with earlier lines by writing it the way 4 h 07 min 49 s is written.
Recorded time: 6 h 18 min 05 s
